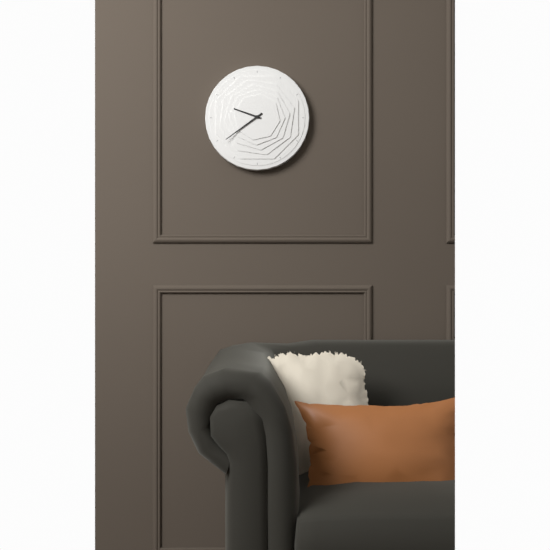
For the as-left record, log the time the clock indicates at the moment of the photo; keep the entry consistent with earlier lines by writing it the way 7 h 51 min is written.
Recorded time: 9 h 39 min
